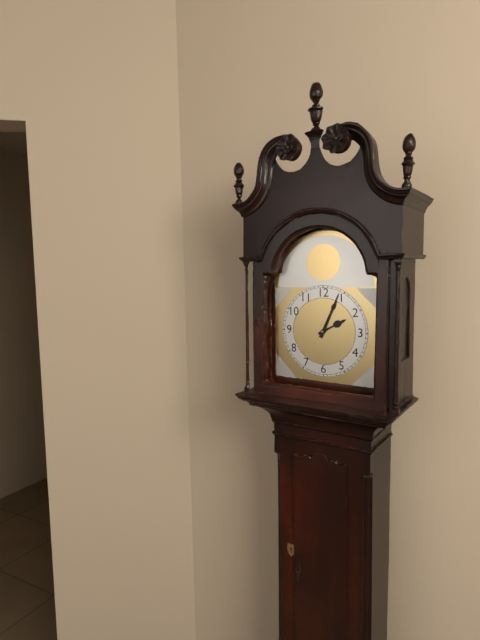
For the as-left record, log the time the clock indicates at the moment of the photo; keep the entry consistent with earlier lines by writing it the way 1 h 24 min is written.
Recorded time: 2 h 04 min
